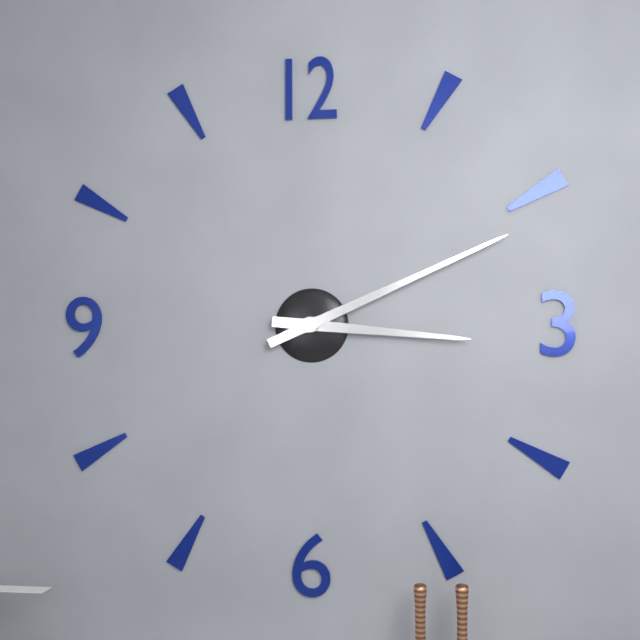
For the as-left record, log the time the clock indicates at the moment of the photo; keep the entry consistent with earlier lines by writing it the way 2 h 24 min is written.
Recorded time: 3 h 11 min
